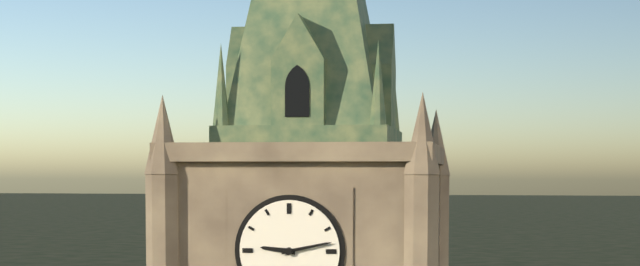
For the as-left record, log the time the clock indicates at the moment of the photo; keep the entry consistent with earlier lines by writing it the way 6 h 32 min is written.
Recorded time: 9 h 13 min
